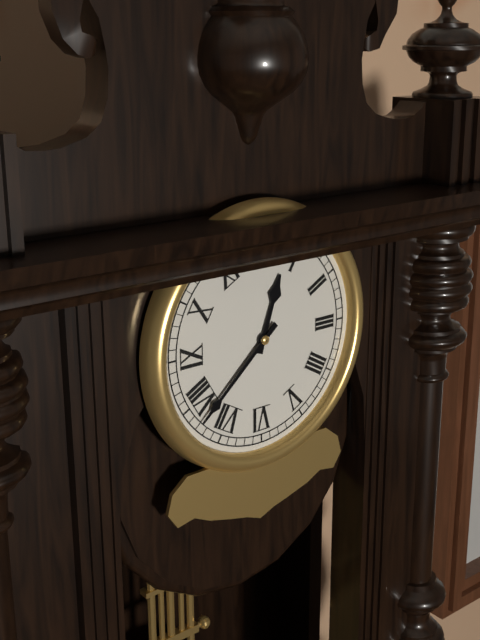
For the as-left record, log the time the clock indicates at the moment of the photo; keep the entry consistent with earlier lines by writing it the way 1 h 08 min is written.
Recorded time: 12 h 38 min
